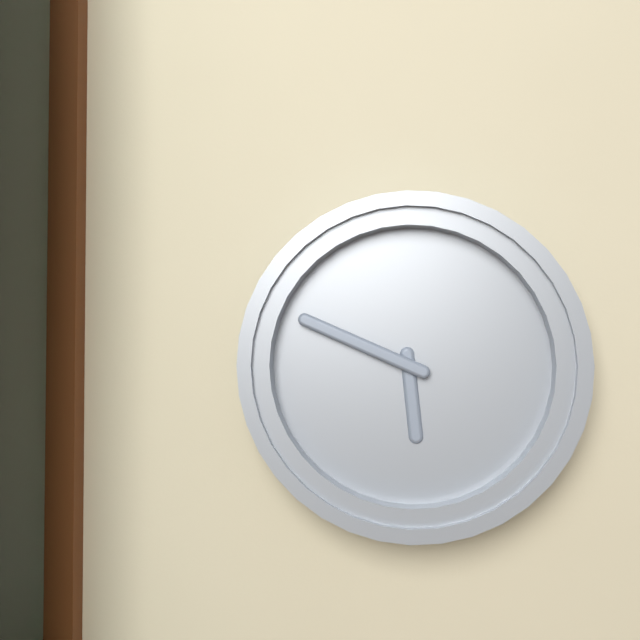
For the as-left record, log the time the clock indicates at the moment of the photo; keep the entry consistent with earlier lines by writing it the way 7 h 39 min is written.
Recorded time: 5 h 49 min
